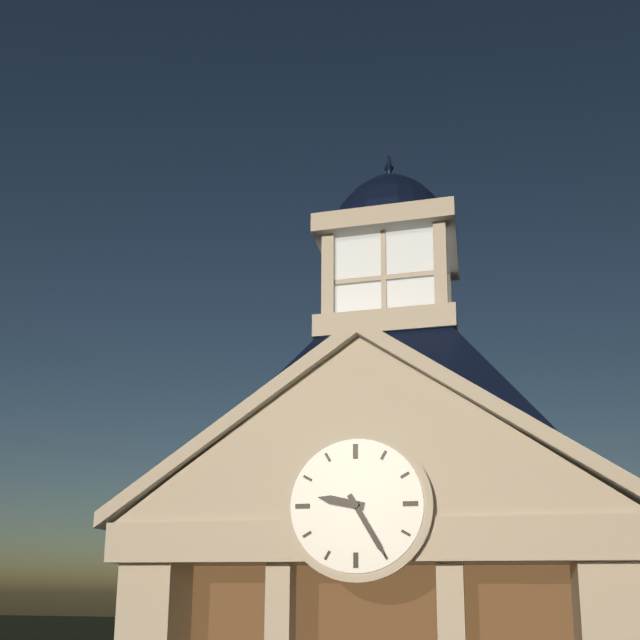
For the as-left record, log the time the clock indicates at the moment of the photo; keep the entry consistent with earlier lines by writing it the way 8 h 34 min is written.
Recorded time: 9 h 25 min
